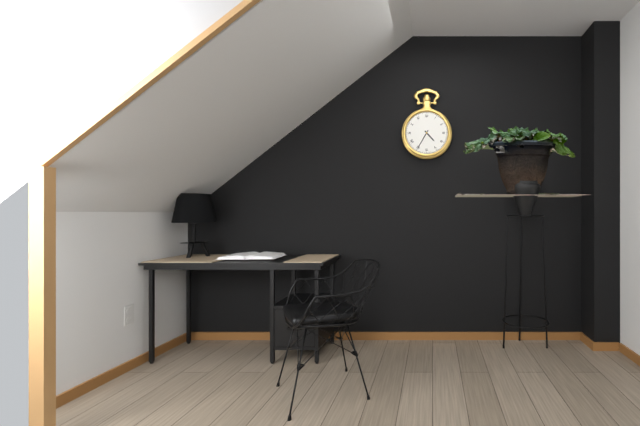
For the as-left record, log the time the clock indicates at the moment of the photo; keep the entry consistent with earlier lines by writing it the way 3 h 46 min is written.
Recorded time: 4 h 35 min
